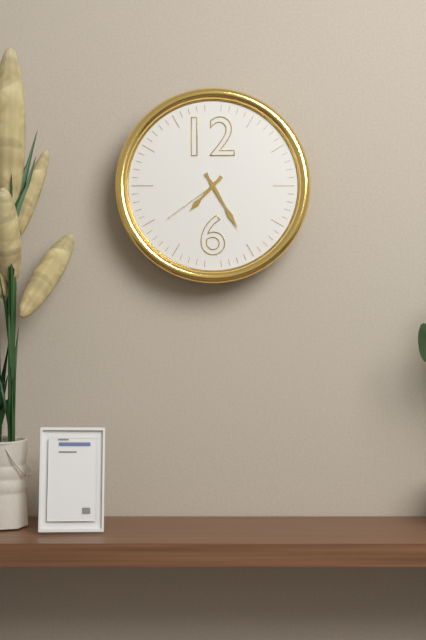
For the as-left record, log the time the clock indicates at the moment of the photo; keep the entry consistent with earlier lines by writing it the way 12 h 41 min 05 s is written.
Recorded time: 7 h 25 min 39 s
